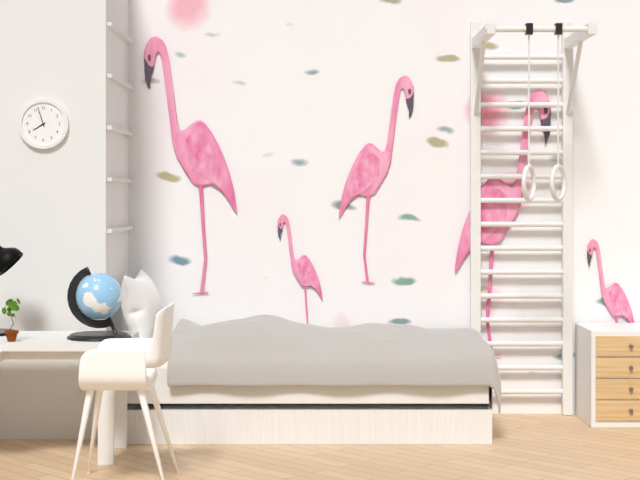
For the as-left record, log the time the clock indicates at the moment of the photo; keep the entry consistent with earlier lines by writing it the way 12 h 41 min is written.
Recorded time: 7 h 57 min
